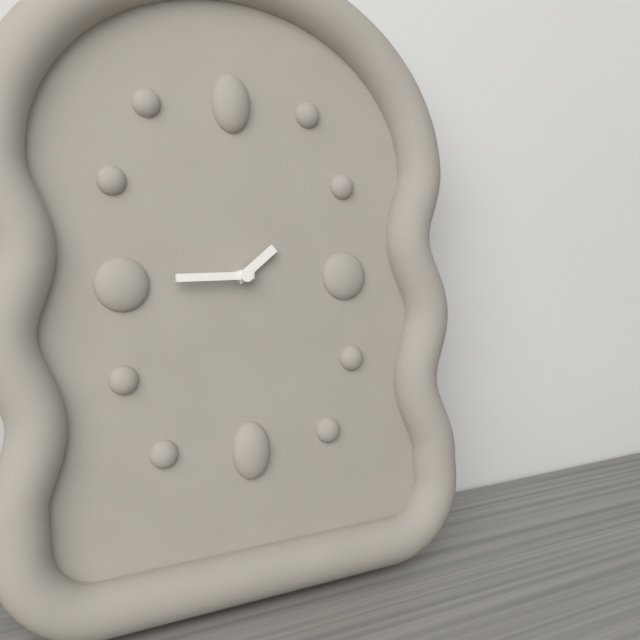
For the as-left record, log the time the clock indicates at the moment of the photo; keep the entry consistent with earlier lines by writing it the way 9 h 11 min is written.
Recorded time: 1 h 45 min
